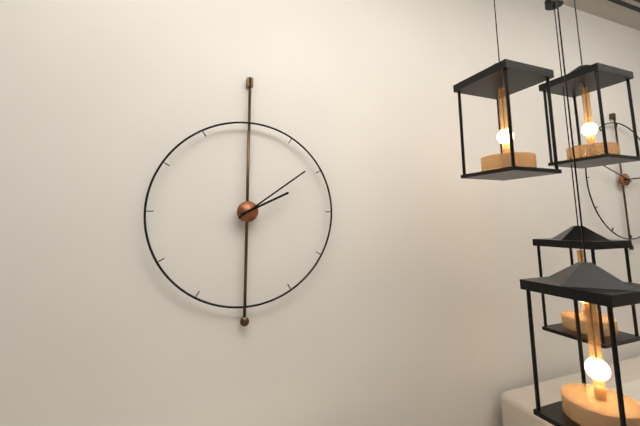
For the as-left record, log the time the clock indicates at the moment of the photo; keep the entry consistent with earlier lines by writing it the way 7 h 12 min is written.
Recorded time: 2 h 09 min
